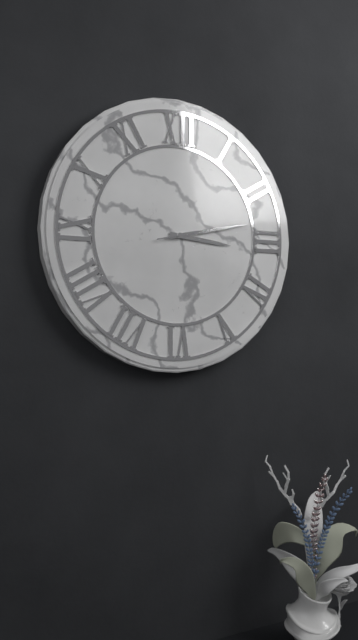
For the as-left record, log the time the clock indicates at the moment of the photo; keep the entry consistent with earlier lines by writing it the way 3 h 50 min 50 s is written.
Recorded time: 3 h 13 min 13 s
